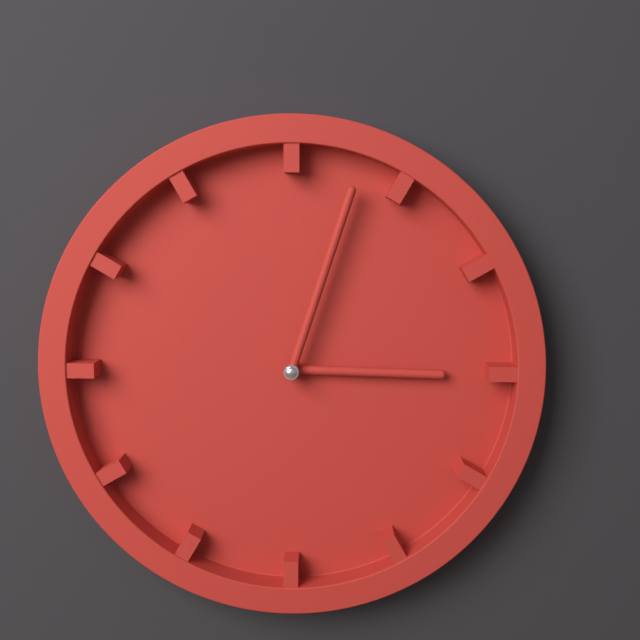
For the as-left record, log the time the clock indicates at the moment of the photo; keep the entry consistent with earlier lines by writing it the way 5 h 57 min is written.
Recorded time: 3 h 03 min
